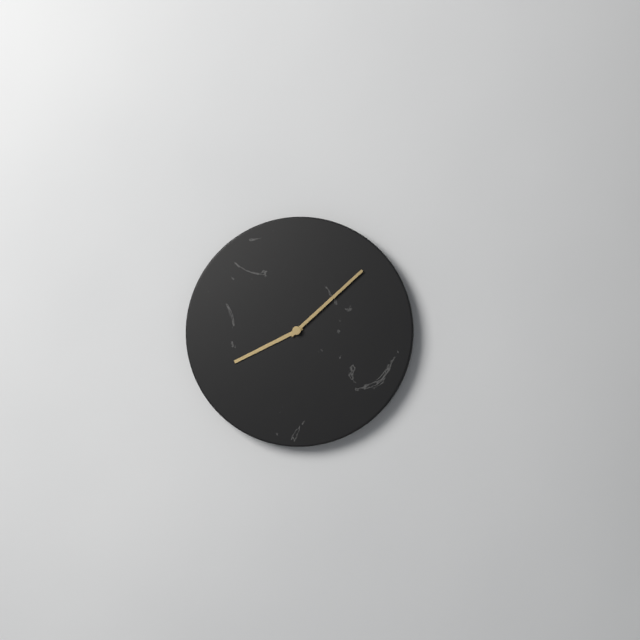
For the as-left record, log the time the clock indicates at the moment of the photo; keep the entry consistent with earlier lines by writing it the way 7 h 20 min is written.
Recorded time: 8 h 08 min
